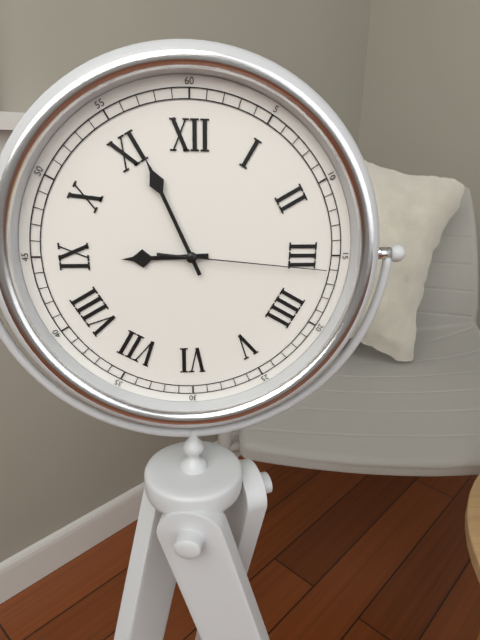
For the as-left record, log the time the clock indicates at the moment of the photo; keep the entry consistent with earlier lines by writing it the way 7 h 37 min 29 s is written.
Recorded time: 8 h 56 min 16 s
